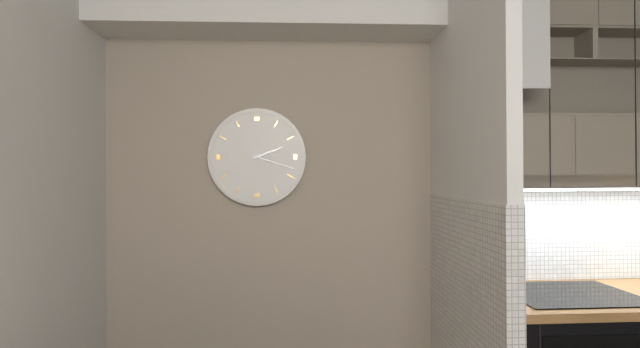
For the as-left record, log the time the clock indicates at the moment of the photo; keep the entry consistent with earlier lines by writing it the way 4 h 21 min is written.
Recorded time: 2 h 18 min
